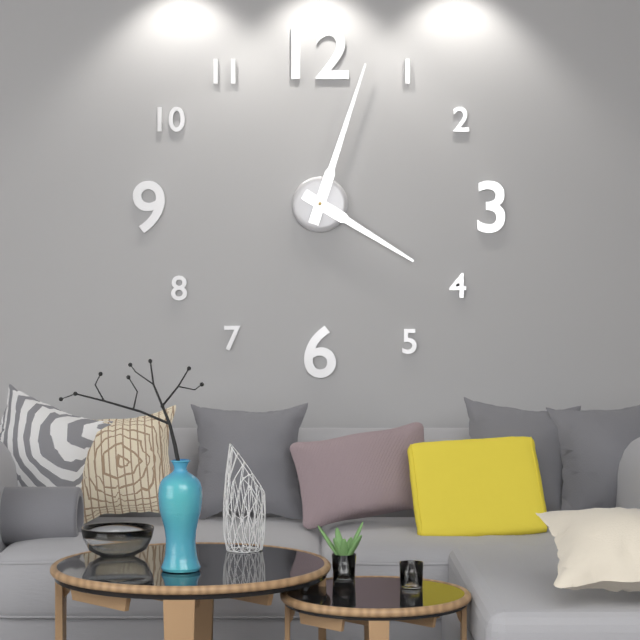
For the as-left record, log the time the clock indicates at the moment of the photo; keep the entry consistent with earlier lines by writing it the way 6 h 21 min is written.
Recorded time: 4 h 03 min
